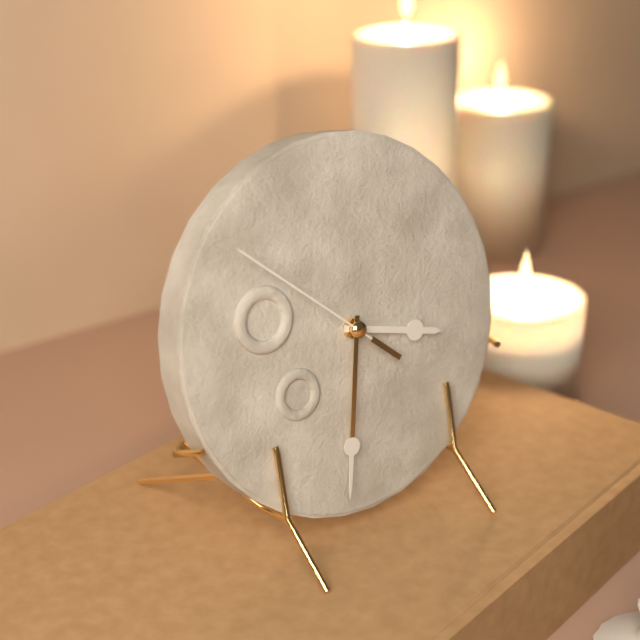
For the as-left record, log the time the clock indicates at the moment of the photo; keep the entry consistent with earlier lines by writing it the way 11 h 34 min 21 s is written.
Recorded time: 3 h 32 min 52 s
